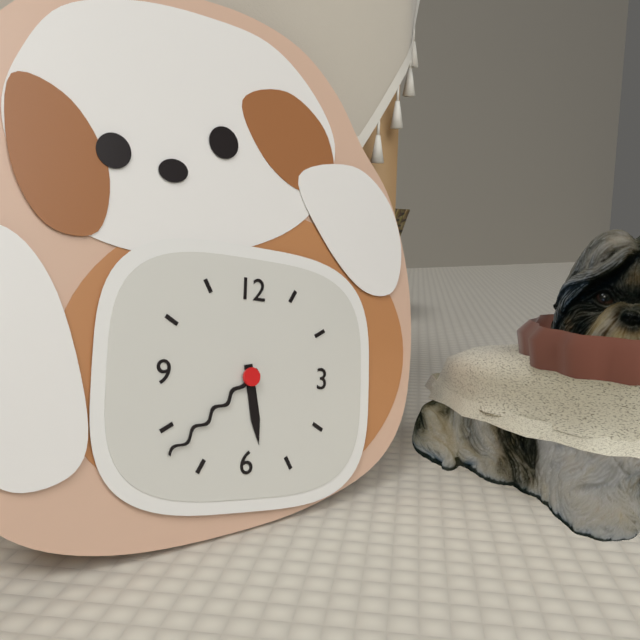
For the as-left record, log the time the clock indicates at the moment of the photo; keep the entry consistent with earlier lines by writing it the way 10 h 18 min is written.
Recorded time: 5 h 38 min
